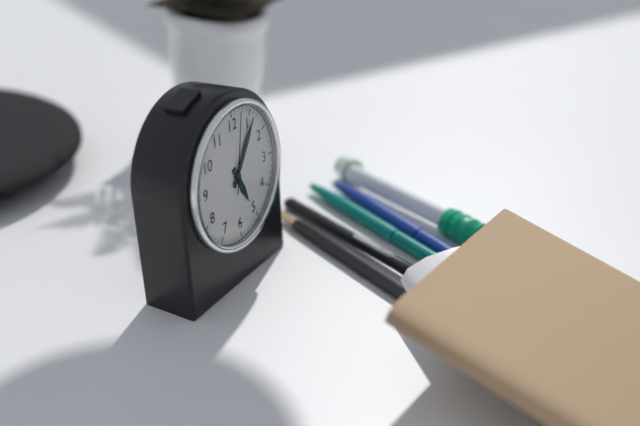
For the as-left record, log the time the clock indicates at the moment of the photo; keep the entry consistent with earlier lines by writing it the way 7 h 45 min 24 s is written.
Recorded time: 5 h 06 min 02 s
